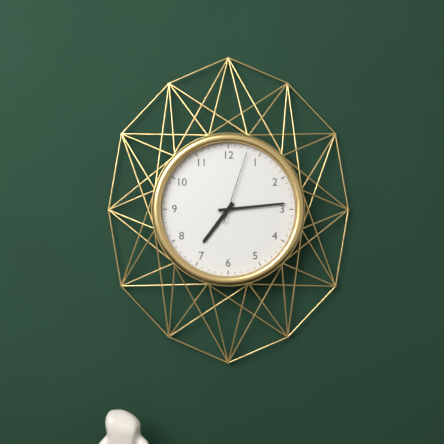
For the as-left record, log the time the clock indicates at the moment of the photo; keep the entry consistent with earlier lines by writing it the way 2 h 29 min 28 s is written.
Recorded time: 7 h 14 min 03 s
